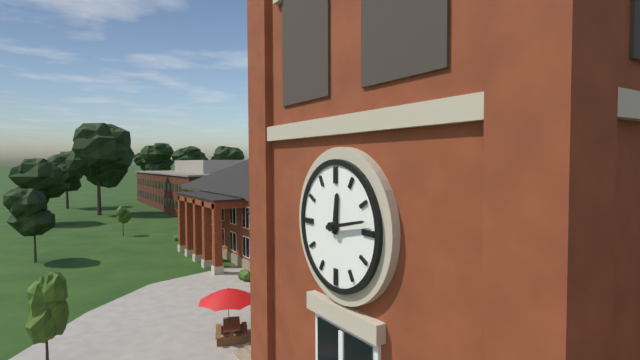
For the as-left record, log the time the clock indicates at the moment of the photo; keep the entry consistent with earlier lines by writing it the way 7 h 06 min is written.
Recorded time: 12 h 13 min
